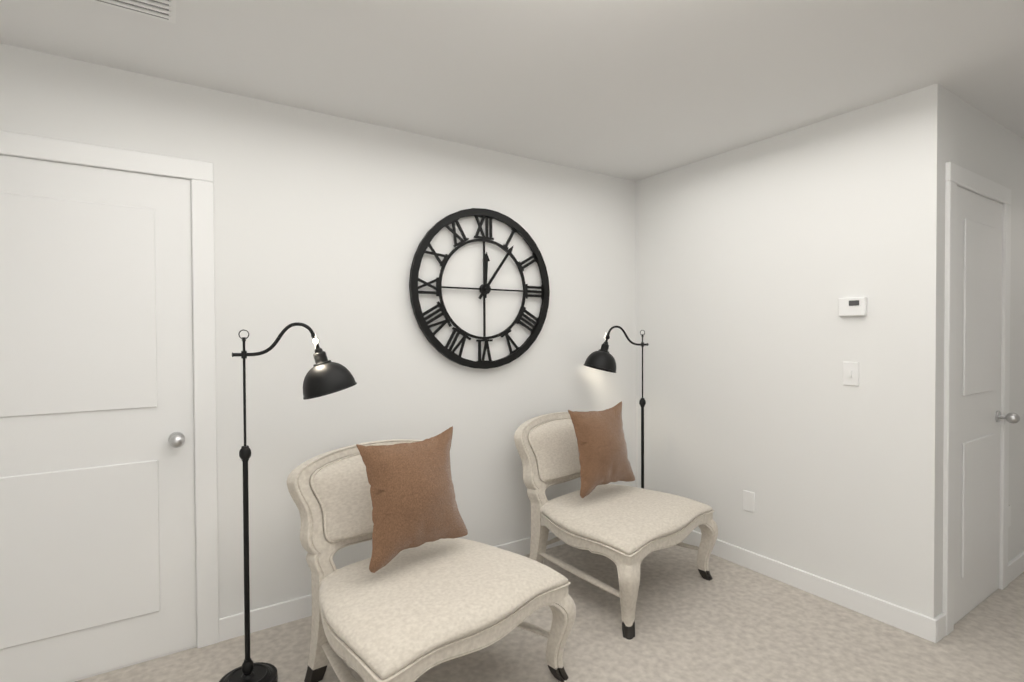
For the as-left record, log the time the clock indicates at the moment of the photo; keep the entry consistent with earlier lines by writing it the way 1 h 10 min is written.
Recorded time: 12 h 06 min
